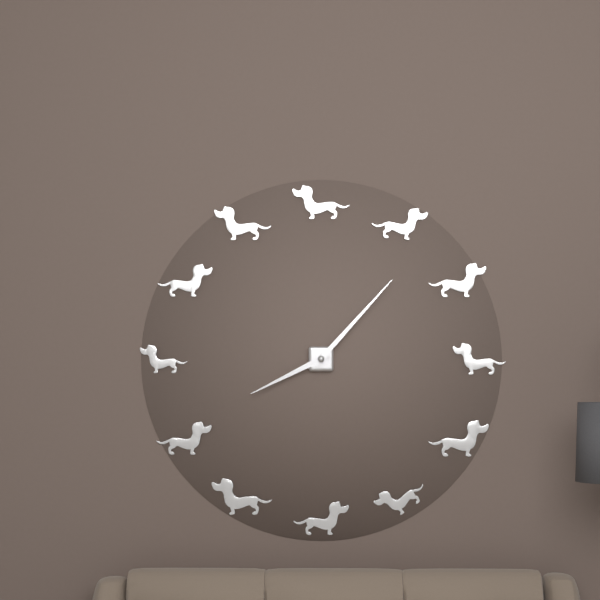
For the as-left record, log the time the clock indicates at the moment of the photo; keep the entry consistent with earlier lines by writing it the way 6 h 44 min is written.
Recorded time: 8 h 07 min
